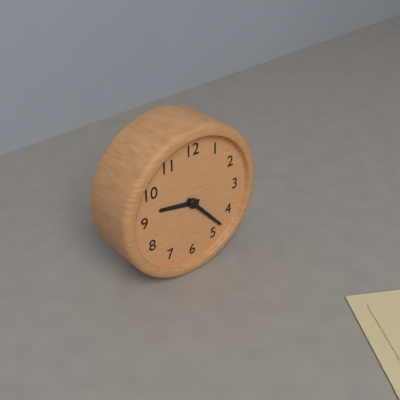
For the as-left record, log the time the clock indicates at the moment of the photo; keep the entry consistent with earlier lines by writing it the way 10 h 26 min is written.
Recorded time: 9 h 23 min
